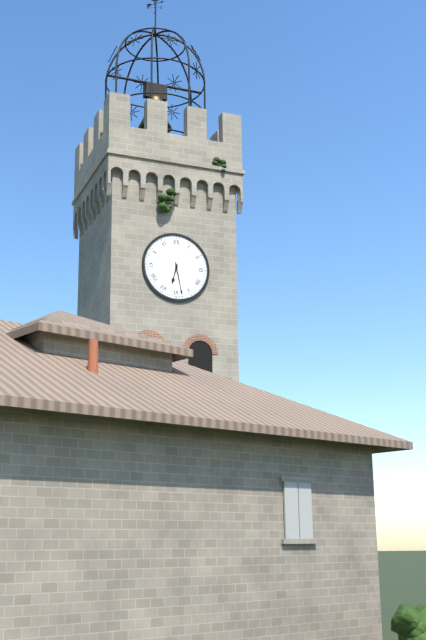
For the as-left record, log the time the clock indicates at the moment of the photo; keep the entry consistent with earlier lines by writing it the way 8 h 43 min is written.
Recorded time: 6 h 28 min
